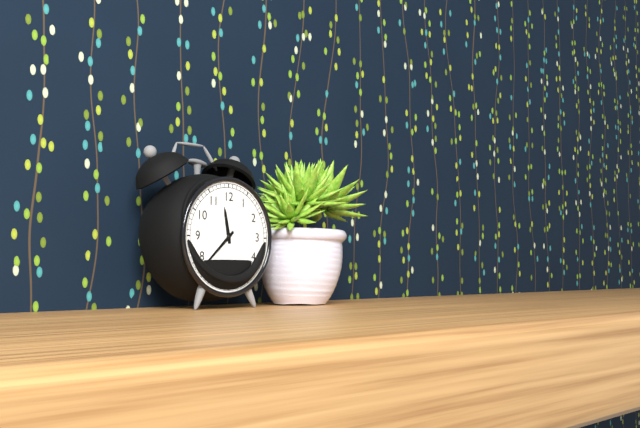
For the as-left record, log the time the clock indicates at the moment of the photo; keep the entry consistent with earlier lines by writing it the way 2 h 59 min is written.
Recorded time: 11 h 38 min
